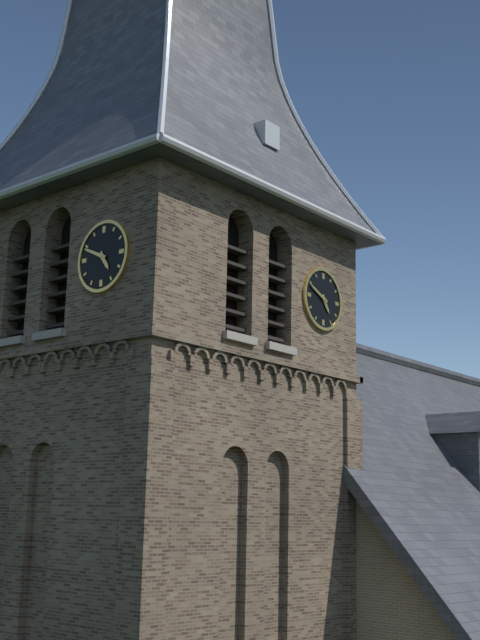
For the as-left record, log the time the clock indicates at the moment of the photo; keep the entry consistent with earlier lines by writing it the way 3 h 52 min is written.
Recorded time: 4 h 49 min
